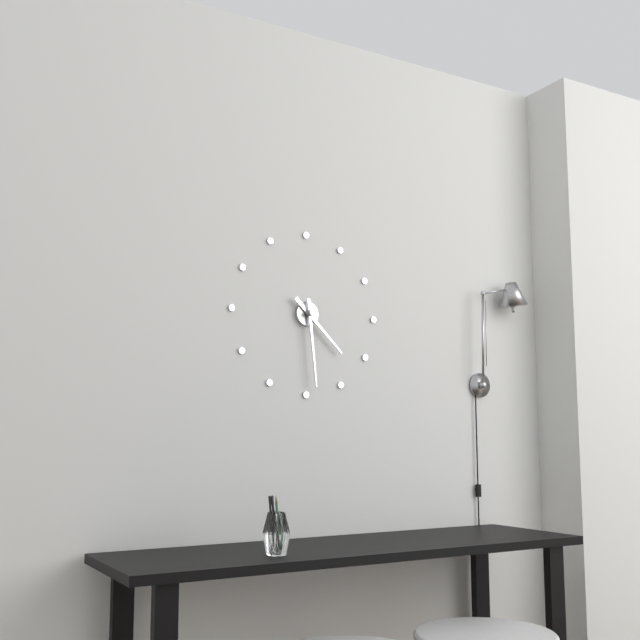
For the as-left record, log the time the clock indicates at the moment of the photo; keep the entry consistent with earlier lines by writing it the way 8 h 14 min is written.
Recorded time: 4 h 29 min
